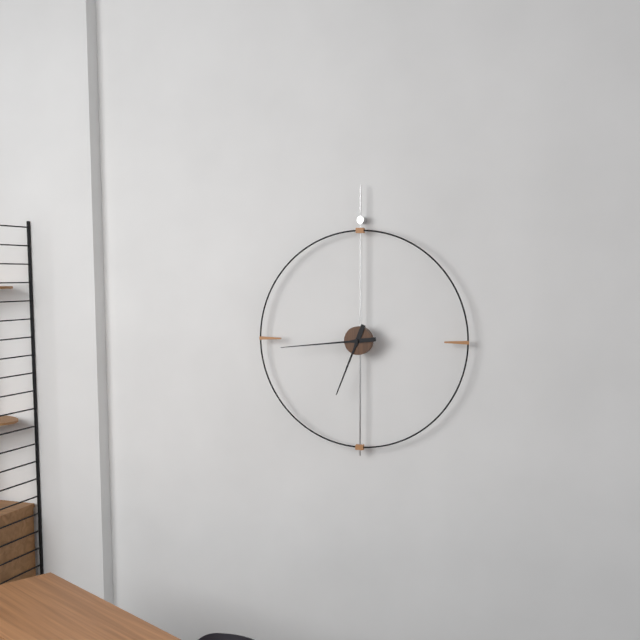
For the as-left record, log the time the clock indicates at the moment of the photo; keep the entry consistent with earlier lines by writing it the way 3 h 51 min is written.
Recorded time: 6 h 44 min
